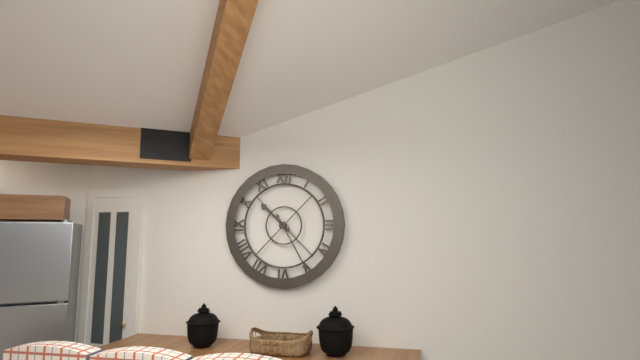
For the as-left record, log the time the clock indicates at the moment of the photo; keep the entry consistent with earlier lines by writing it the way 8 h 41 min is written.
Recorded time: 10 h 25 min
